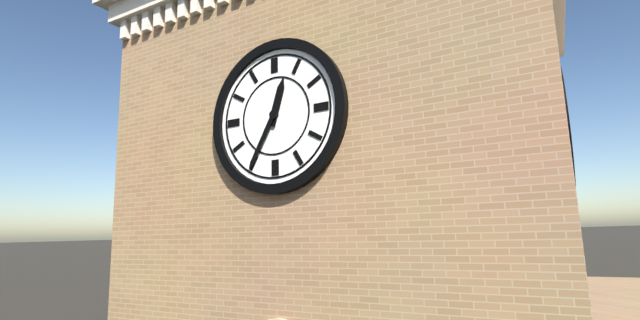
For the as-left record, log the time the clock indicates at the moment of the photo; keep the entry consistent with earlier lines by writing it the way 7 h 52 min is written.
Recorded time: 12 h 35 min
